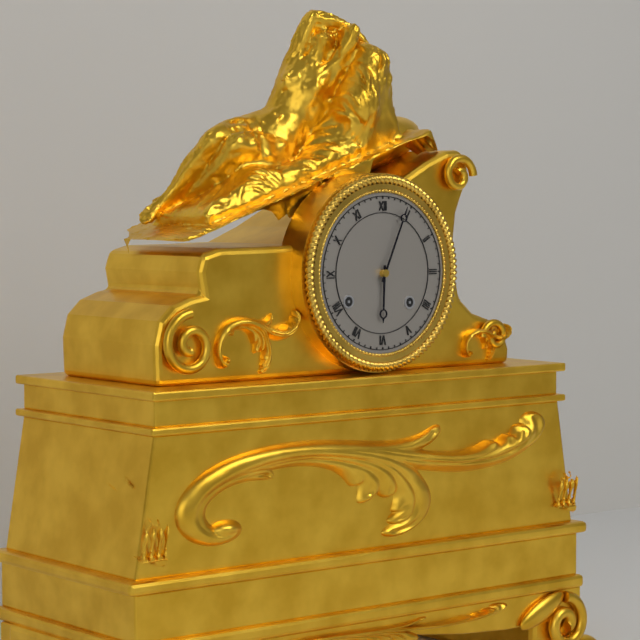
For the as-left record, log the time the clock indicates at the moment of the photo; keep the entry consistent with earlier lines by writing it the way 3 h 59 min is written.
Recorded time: 6 h 04 min
